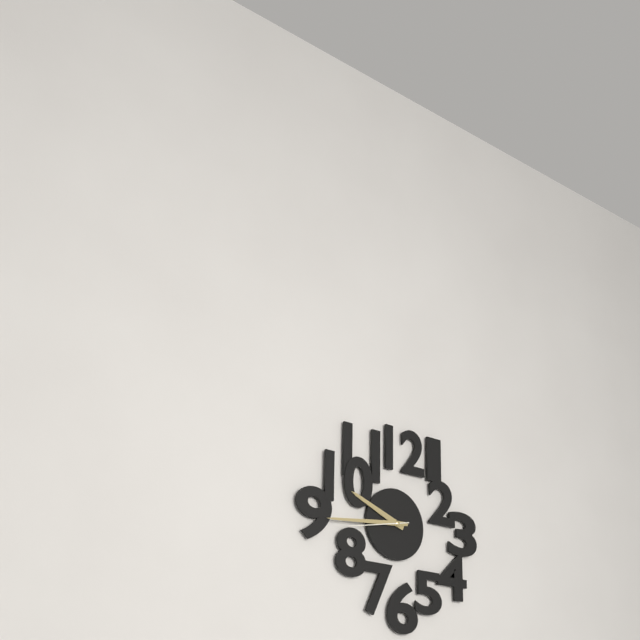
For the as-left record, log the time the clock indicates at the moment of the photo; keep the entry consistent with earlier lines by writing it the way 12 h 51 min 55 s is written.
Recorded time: 9 h 44 min 43 s
